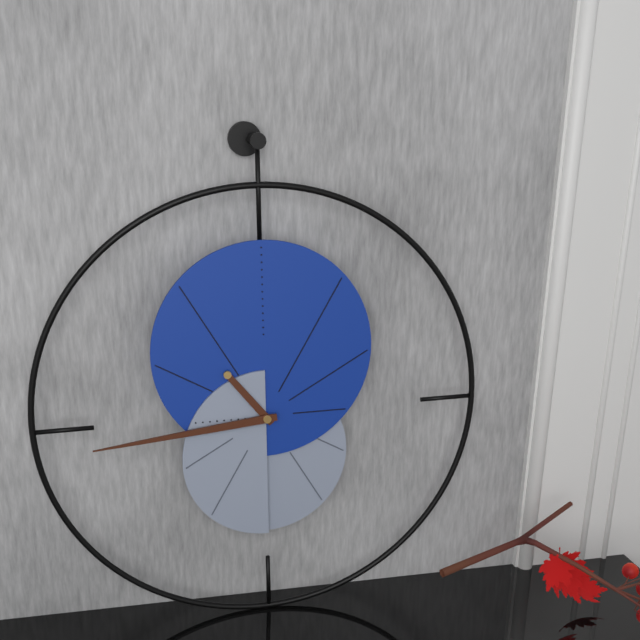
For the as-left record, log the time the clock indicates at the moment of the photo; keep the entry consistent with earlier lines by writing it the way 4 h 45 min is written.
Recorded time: 10 h 44 min
